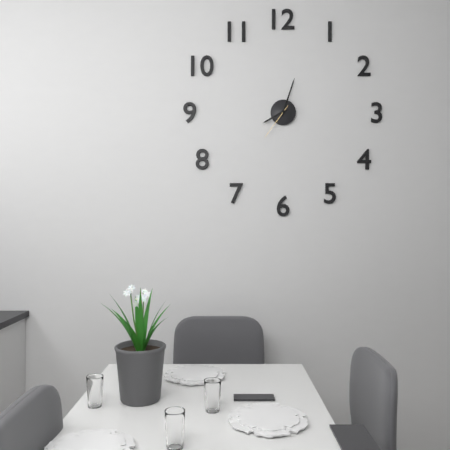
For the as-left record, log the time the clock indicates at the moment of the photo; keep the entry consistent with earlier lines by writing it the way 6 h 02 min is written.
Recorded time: 8 h 03 min
